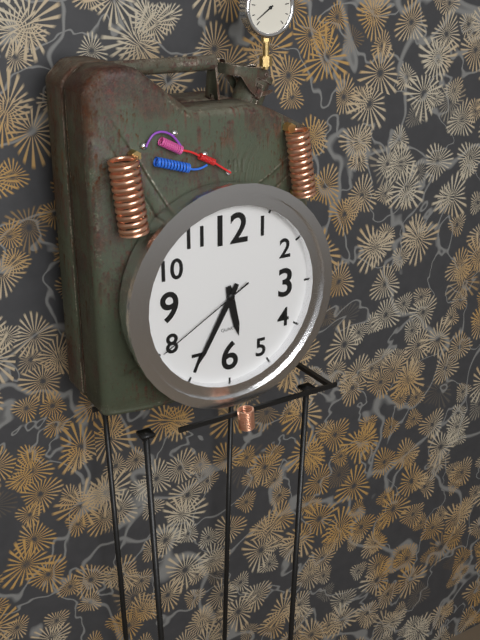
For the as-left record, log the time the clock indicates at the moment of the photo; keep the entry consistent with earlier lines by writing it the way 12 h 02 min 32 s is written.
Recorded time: 5 h 35 min 40 s
